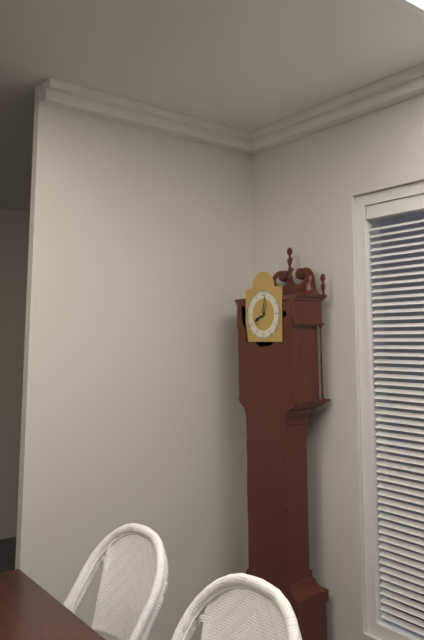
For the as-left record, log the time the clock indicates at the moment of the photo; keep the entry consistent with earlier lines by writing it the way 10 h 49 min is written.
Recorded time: 8 h 02 min
